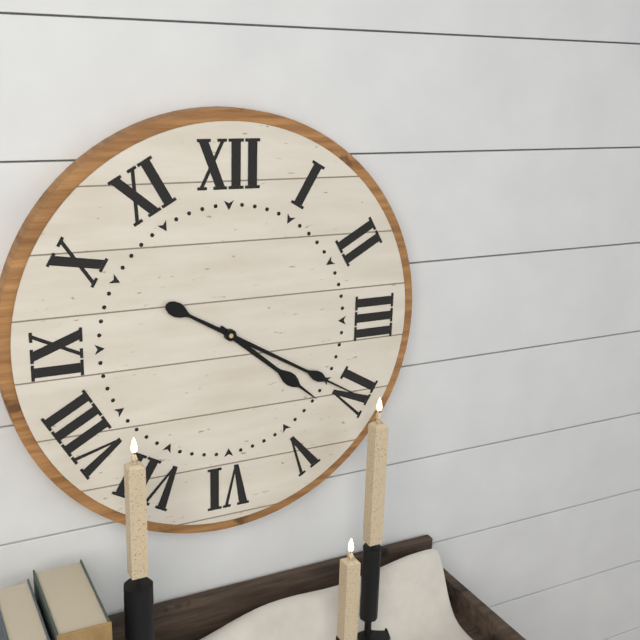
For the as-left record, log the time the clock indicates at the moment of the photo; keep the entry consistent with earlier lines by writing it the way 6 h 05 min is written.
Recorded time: 4 h 20 min
